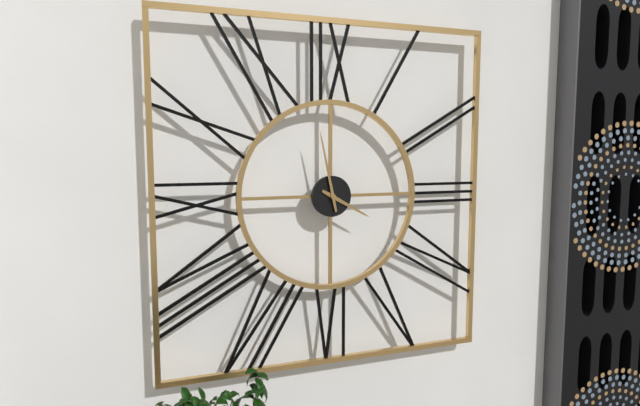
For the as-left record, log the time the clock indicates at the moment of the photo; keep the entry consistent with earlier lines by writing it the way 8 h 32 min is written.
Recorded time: 3 h 58 min
